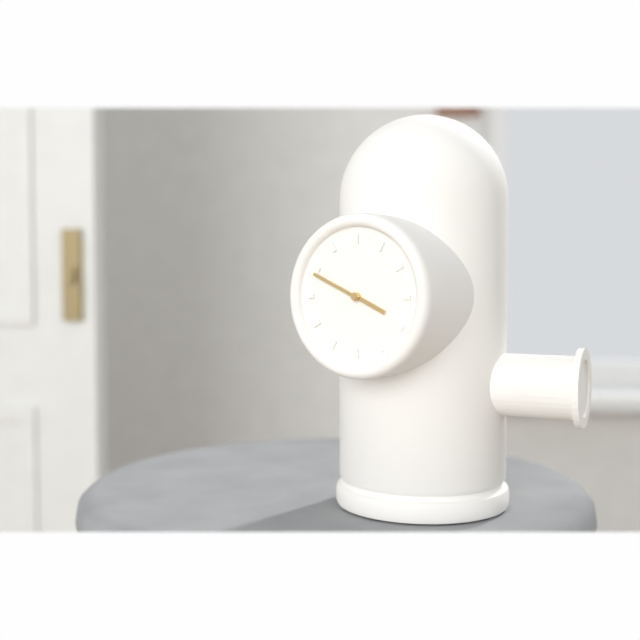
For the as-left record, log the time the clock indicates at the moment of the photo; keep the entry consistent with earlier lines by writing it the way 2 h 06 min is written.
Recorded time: 3 h 49 min
